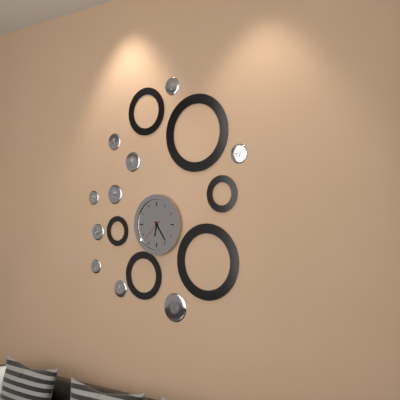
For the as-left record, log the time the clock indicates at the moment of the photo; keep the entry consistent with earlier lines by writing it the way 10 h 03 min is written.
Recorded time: 6 h 24 min
